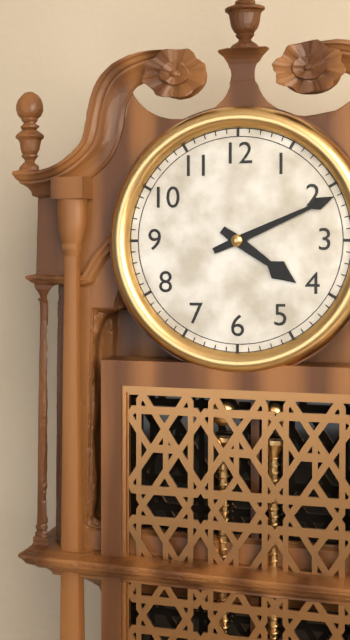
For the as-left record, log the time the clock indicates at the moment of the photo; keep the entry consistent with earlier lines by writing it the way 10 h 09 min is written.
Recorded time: 4 h 11 min
